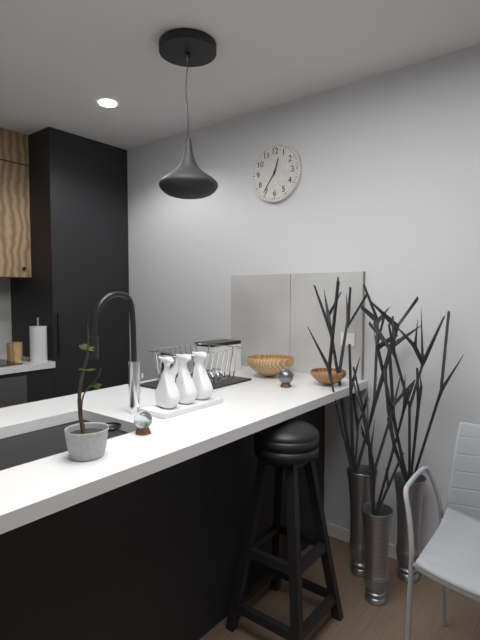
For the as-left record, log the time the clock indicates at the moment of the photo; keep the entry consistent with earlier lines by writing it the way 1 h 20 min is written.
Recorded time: 12 h 36 min
